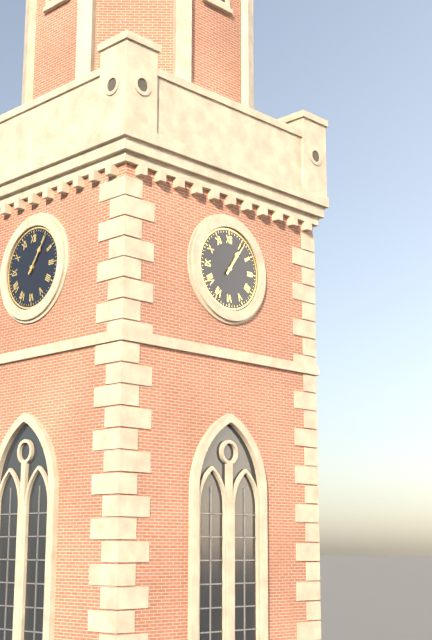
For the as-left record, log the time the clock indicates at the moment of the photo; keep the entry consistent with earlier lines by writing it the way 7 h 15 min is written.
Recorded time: 1 h 06 min
